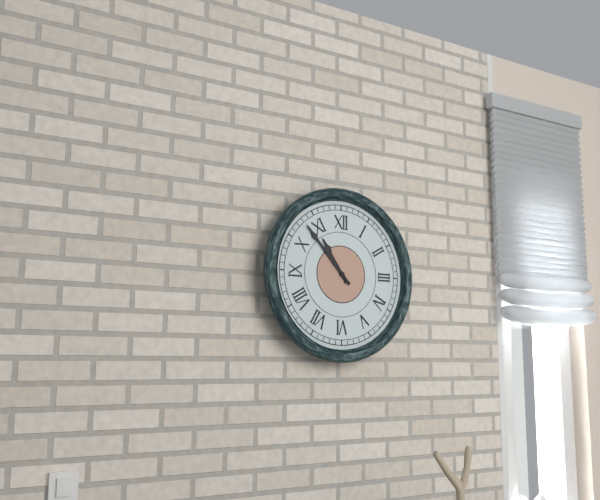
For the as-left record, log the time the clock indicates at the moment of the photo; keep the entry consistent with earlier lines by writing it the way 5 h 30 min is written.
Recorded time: 10 h 53 min
